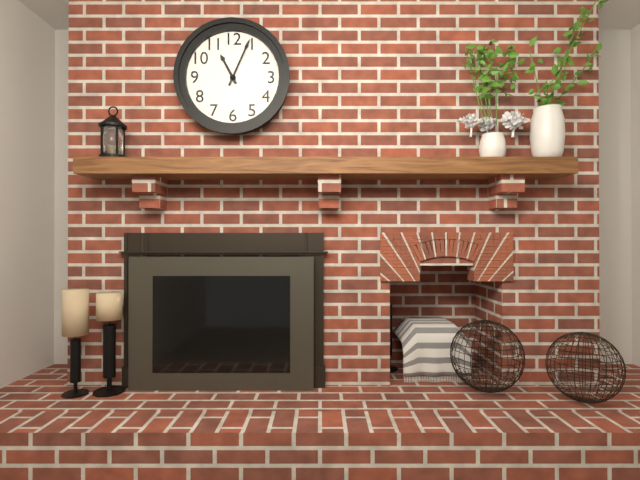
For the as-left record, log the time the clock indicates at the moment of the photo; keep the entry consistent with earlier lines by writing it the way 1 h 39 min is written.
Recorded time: 11 h 04 min
